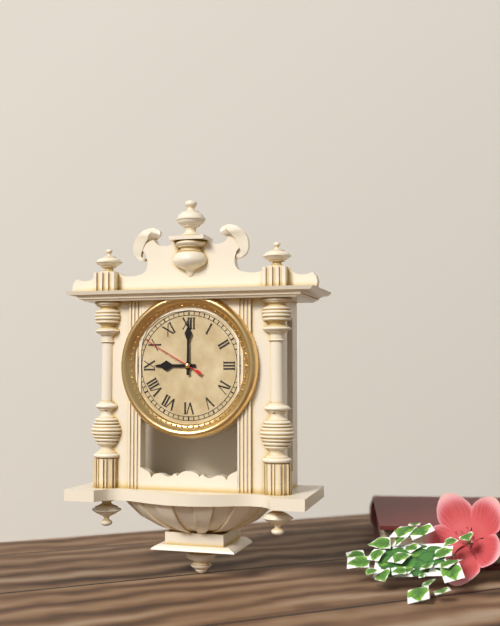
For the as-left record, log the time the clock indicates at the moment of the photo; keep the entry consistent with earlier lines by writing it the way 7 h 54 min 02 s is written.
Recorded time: 9 h 00 min 50 s
